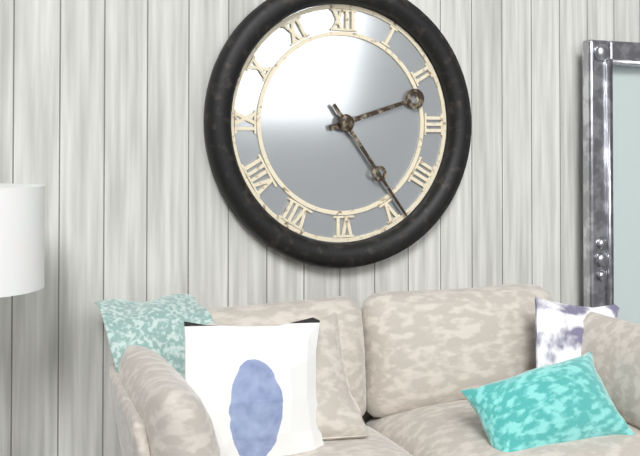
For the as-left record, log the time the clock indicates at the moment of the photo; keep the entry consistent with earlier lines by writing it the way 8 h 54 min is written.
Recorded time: 2 h 24 min
